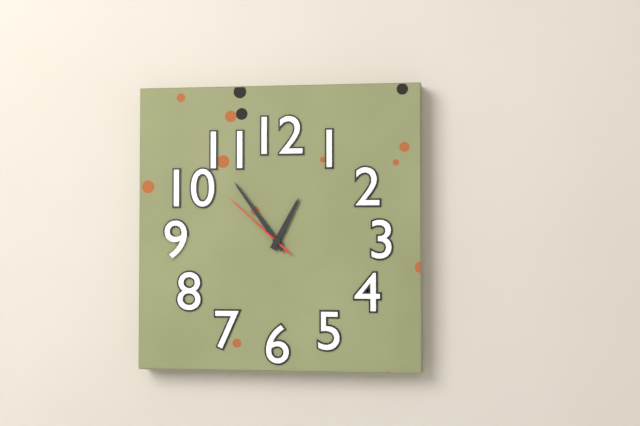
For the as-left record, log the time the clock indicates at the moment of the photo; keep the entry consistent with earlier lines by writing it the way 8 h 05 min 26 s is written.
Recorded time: 12 h 54 min 52 s
